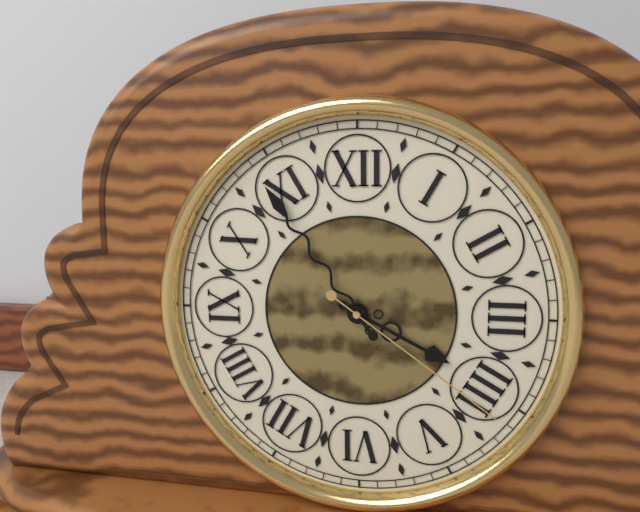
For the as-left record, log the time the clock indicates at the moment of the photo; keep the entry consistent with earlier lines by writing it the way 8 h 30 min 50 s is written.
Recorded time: 3 h 54 min 21 s
